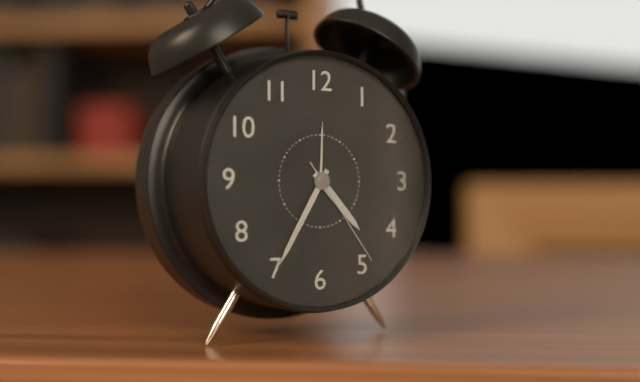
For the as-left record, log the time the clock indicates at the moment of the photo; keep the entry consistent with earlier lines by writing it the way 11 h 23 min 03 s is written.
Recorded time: 4 h 35 min 24 s
